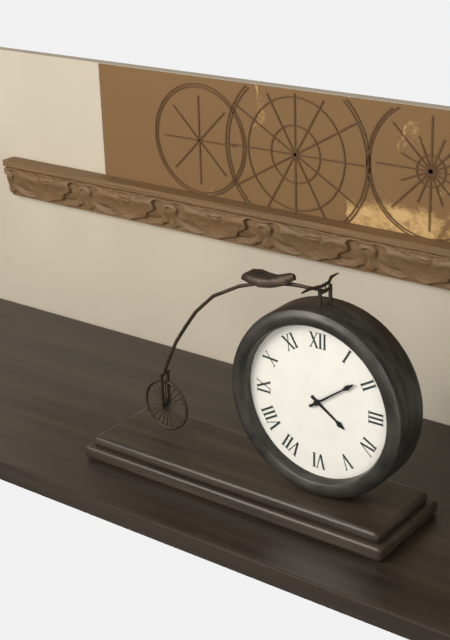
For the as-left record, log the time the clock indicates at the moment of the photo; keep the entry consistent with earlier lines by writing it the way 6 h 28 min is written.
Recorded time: 4 h 09 min
